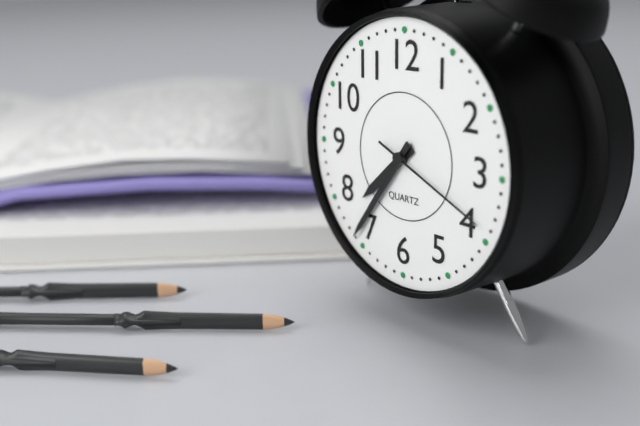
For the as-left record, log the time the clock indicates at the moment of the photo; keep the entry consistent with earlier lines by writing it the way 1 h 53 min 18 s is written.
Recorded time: 7 h 36 min 19 s
